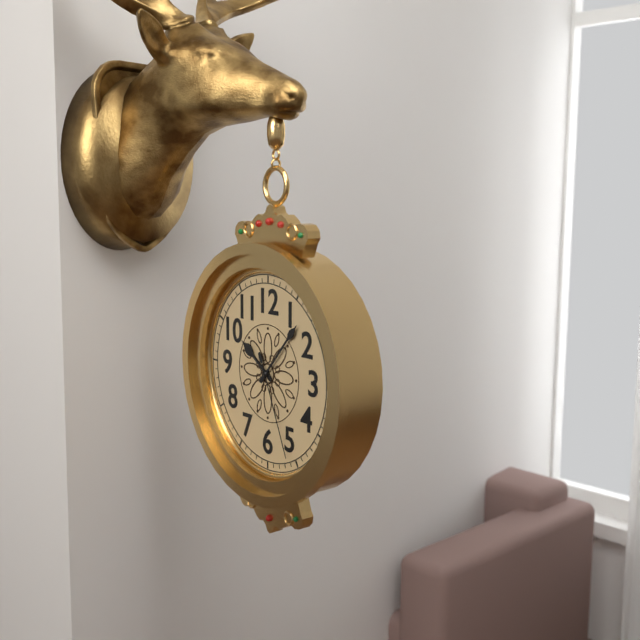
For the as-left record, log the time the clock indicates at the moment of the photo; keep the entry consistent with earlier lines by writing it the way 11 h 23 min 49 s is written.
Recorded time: 10 h 07 min 26 s
